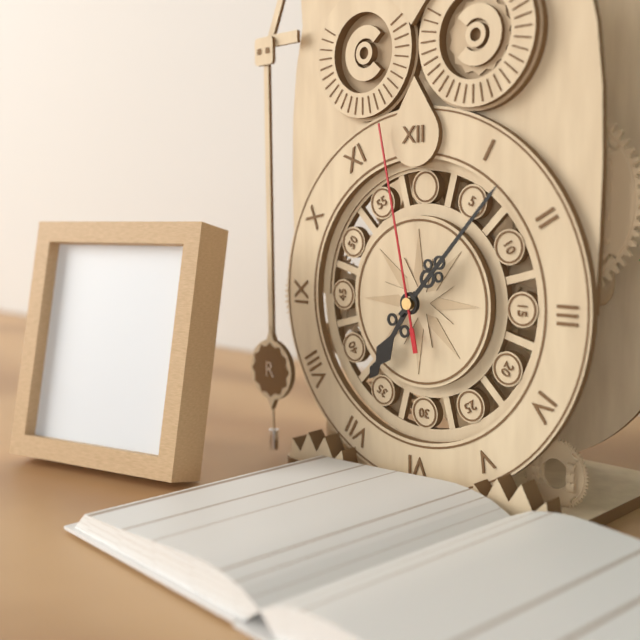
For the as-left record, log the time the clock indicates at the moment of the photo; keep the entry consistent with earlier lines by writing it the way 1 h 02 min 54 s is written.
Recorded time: 7 h 07 min 58 s
